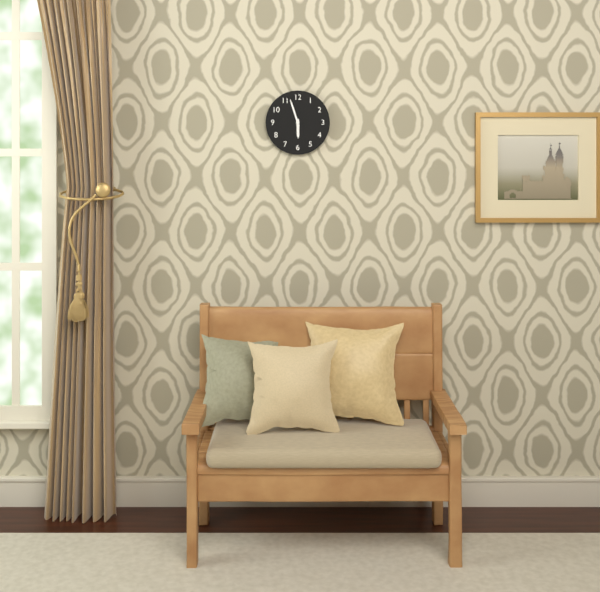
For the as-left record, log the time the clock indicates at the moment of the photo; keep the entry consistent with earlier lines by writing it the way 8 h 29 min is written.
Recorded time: 5 h 57 min
